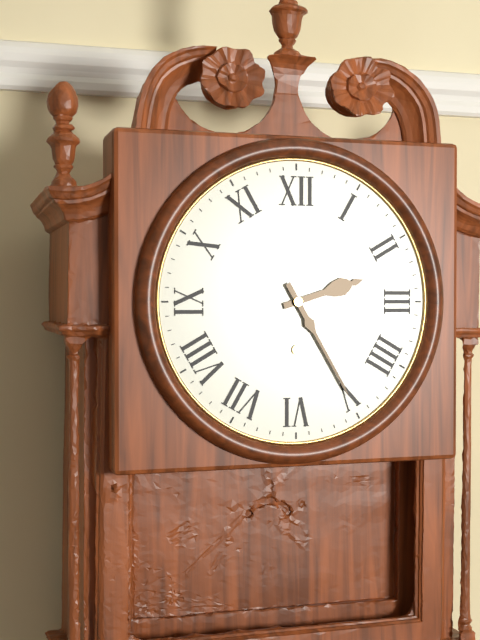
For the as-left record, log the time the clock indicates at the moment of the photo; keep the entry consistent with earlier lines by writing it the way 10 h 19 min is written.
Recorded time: 2 h 25 min
